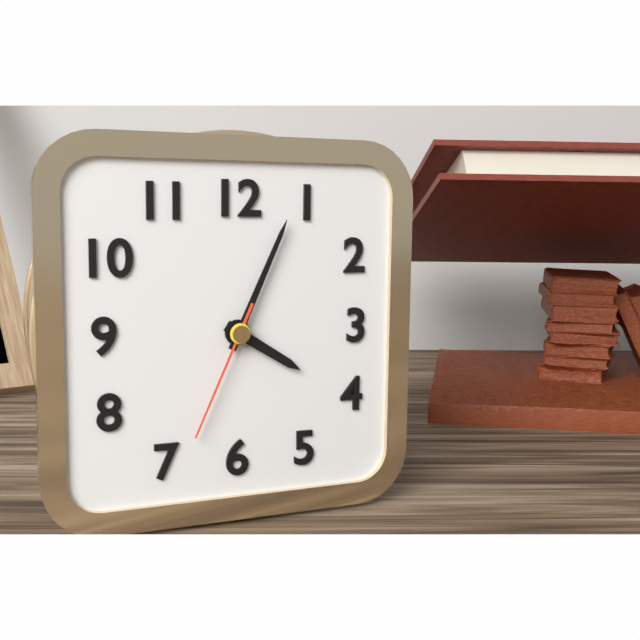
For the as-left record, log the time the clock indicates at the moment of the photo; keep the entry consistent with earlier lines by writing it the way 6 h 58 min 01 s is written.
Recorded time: 4 h 04 min 34 s
